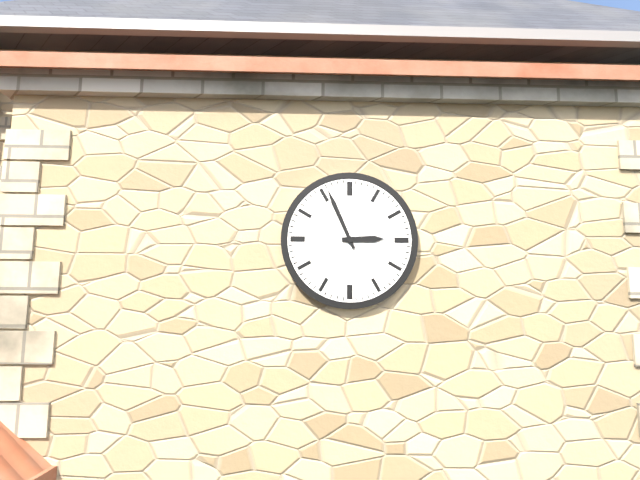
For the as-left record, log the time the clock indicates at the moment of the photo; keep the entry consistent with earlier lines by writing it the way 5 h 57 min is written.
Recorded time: 2 h 56 min
